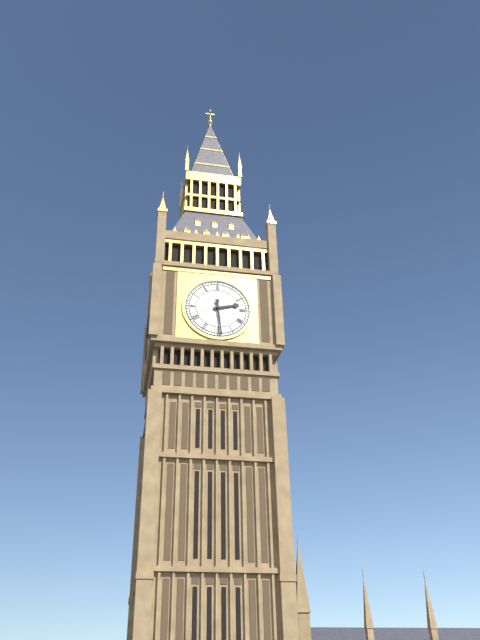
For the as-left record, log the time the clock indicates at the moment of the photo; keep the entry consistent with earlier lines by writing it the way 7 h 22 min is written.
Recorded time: 2 h 29 min
